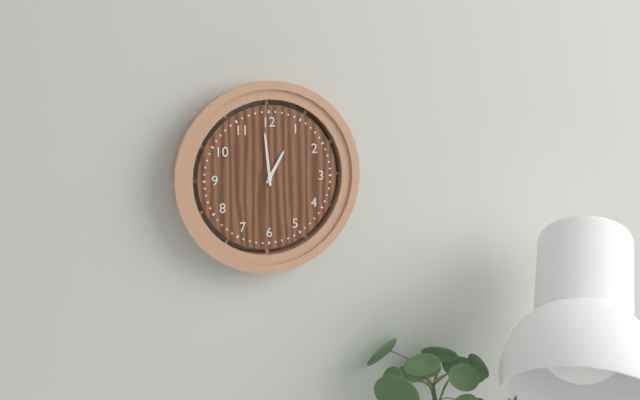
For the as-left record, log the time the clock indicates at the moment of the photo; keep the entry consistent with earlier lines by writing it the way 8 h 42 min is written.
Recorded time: 12 h 59 min
